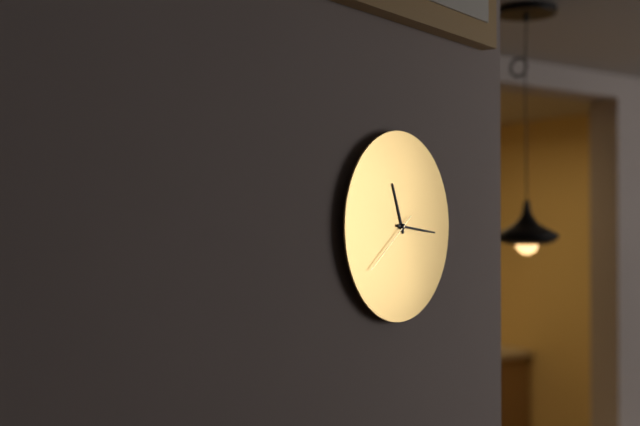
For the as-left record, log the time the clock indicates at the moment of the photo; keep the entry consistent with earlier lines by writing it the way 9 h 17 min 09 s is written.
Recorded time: 11 h 16 min 39 s
